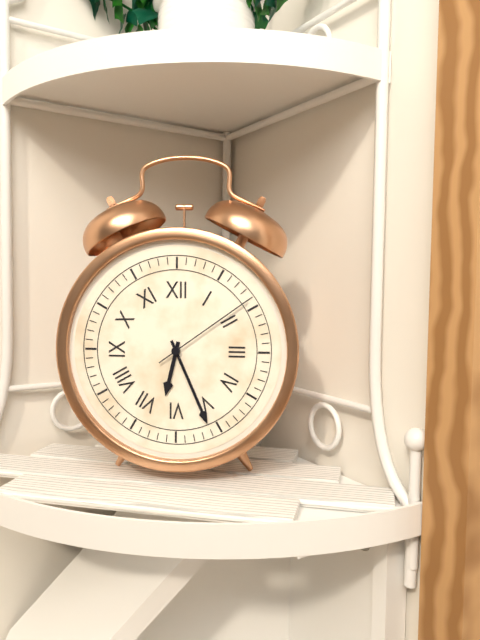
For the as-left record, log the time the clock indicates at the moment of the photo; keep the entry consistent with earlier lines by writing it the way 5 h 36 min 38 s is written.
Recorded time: 6 h 26 min 09 s
